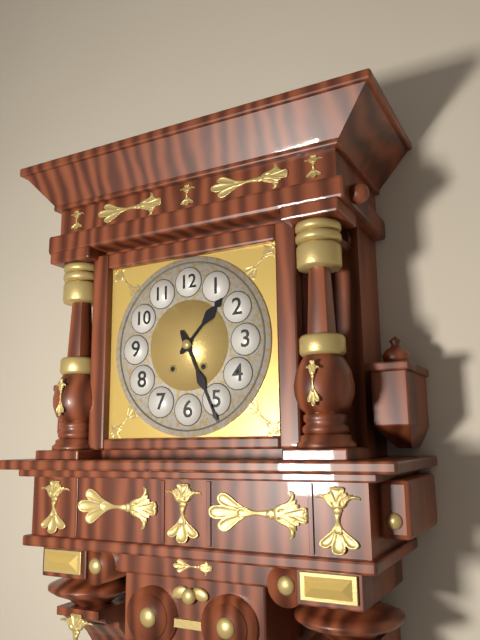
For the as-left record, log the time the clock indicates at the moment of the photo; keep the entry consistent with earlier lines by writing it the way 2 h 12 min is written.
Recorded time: 1 h 26 min
